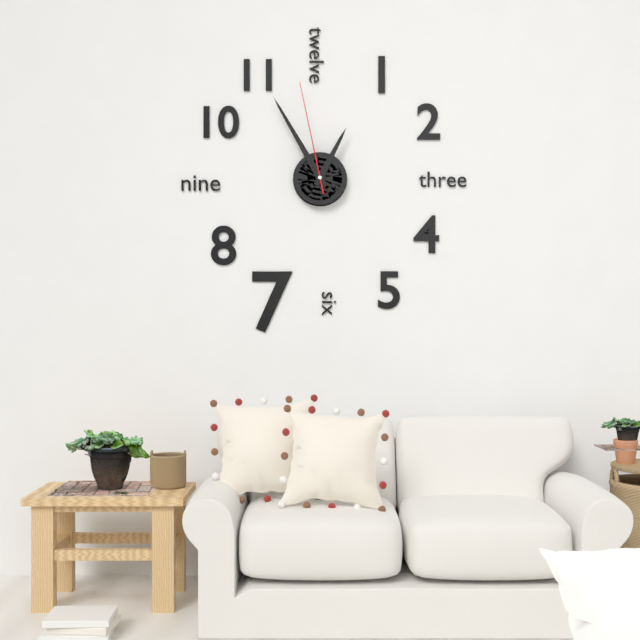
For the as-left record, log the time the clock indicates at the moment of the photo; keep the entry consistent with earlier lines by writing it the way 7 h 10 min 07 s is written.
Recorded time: 12 h 55 min 58 s
